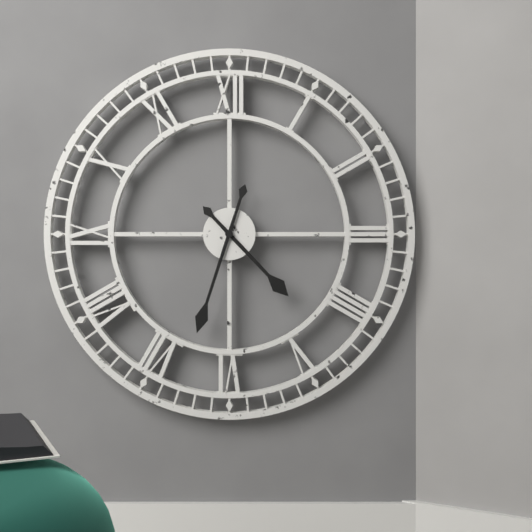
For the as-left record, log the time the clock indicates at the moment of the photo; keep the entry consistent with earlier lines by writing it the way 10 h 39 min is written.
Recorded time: 4 h 33 min
